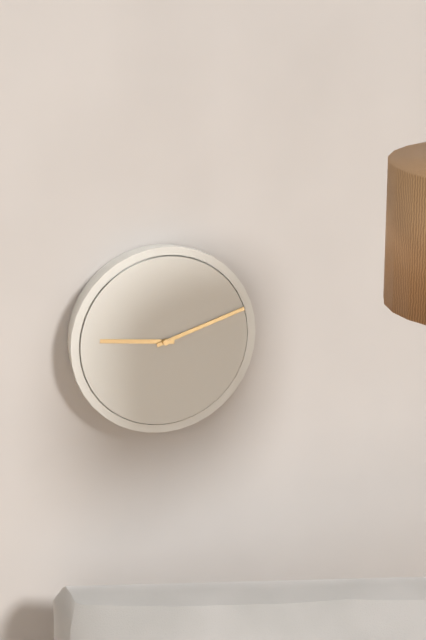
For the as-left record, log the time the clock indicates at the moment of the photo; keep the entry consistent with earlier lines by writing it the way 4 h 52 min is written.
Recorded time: 9 h 12 min
